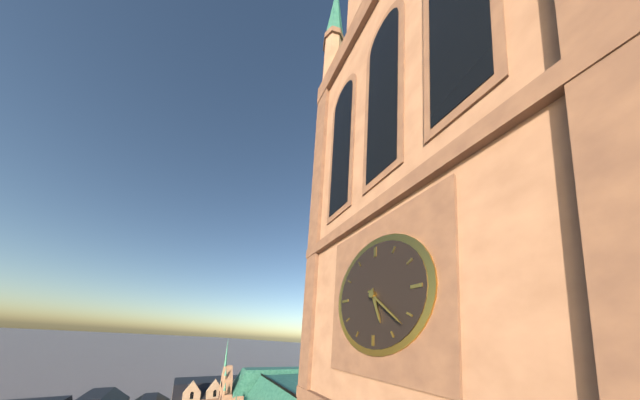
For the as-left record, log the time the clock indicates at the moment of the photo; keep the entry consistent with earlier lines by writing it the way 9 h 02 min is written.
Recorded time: 5 h 22 min
